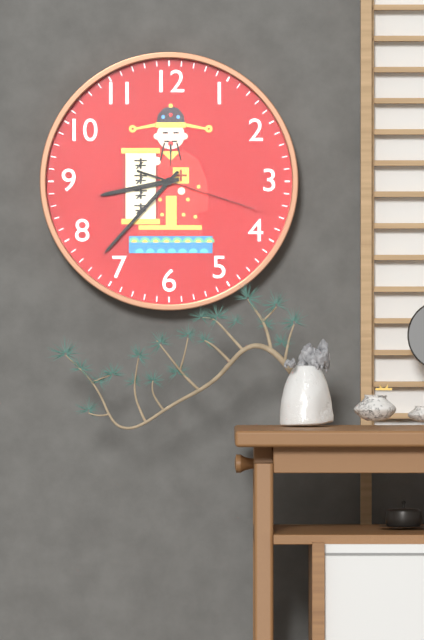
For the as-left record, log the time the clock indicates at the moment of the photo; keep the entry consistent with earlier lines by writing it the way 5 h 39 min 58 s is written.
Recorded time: 8 h 37 min 18 s
